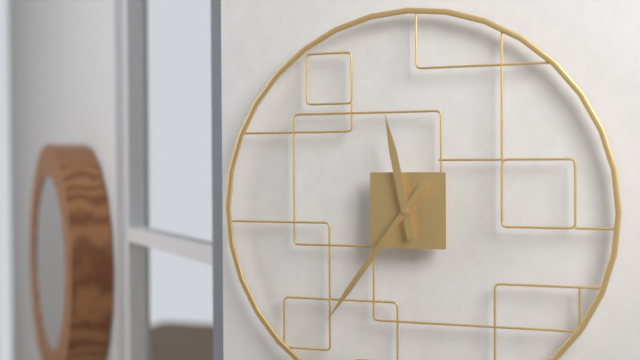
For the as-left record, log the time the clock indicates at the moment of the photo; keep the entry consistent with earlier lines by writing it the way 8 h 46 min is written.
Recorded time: 11 h 36 min
